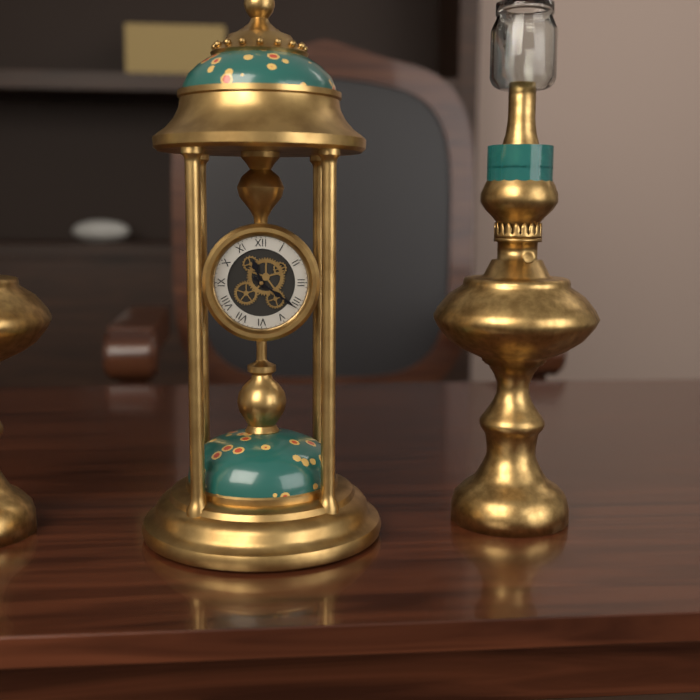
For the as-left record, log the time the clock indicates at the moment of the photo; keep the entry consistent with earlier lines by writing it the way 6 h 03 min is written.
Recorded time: 11 h 21 min
